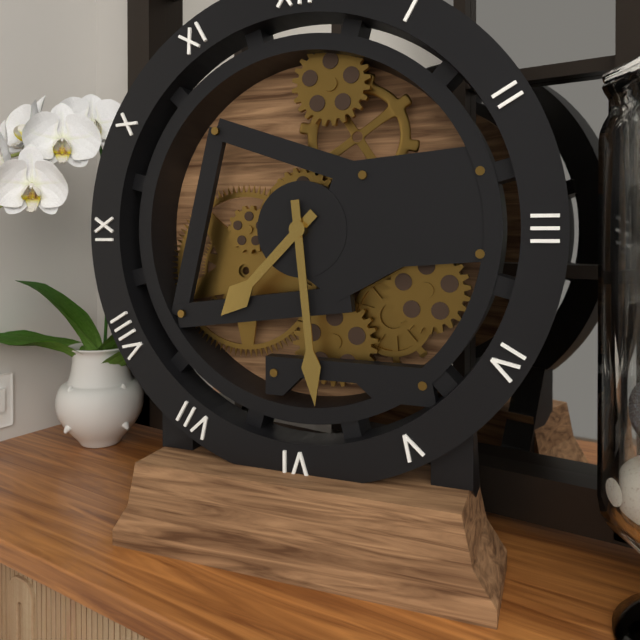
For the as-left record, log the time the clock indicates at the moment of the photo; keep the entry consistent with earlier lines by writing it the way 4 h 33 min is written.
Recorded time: 7 h 29 min
